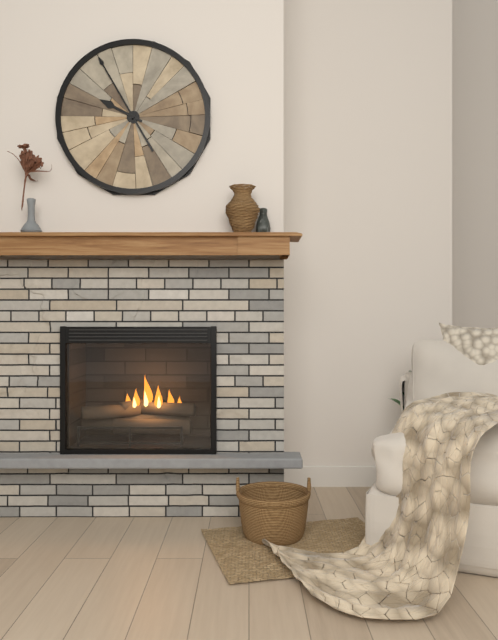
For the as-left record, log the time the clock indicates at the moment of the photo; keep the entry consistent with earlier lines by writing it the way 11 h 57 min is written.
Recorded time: 9 h 55 min
